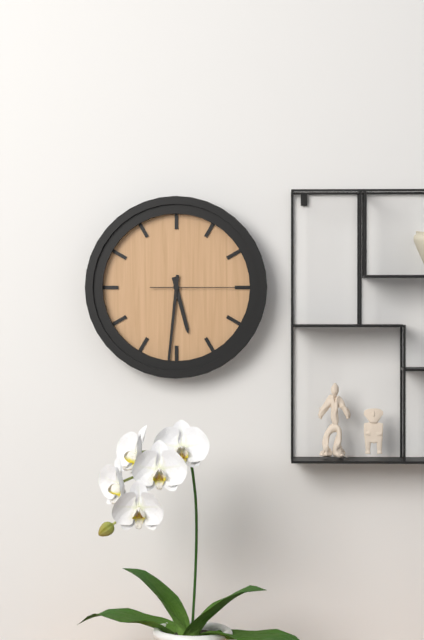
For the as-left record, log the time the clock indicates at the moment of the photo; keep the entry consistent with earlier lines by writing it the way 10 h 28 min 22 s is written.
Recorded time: 5 h 31 min 15 s
